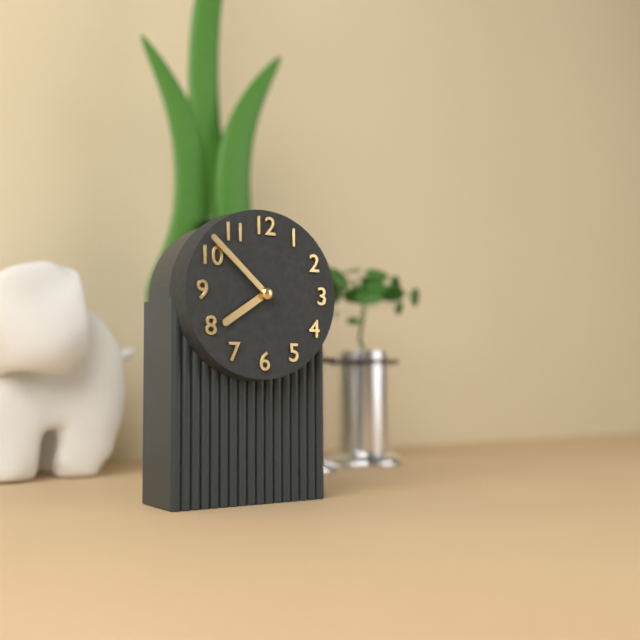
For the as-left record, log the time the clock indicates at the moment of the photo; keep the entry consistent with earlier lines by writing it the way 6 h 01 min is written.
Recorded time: 7 h 52 min
